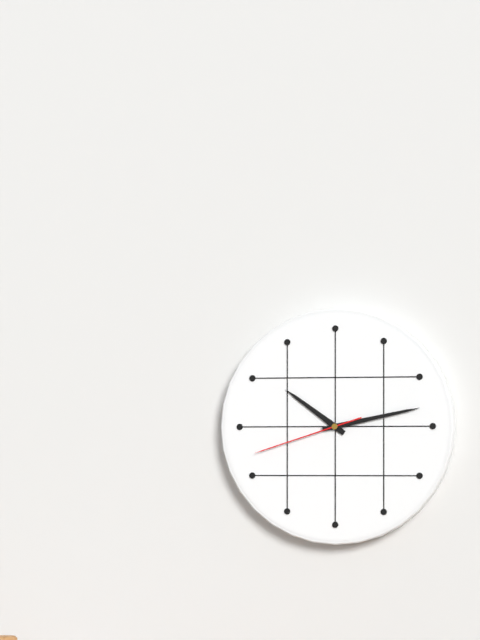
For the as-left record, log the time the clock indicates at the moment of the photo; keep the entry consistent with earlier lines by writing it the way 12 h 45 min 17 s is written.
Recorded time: 10 h 13 min 42 s
